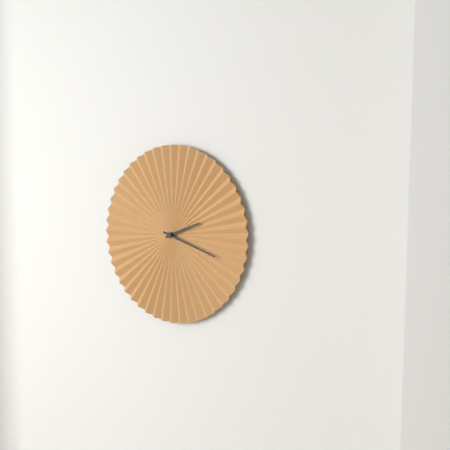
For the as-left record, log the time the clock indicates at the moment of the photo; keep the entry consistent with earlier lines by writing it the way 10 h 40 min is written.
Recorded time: 2 h 18 min
